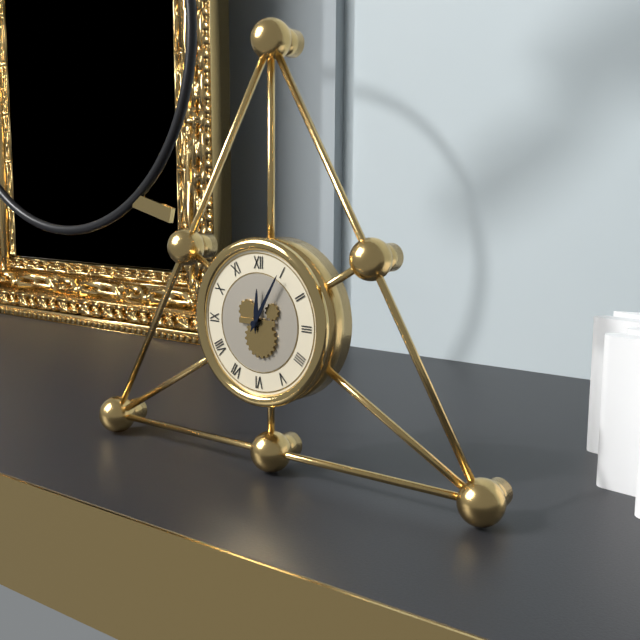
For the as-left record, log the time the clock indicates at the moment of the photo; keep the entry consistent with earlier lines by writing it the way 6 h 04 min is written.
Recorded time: 12 h 05 min
